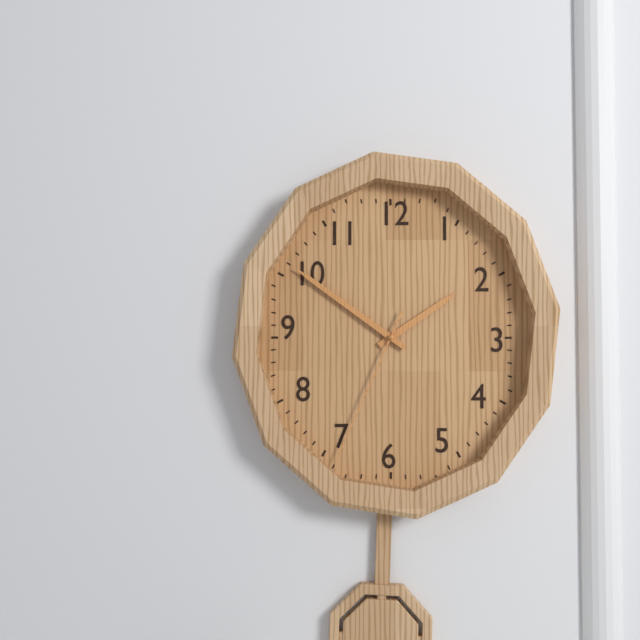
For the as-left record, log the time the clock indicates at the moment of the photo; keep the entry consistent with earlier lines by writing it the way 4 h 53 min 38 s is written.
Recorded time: 1 h 51 min 34 s
